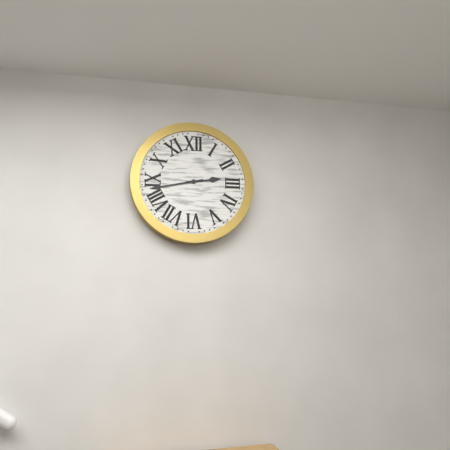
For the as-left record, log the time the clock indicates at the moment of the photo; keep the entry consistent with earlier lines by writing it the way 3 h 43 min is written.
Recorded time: 2 h 43 min
